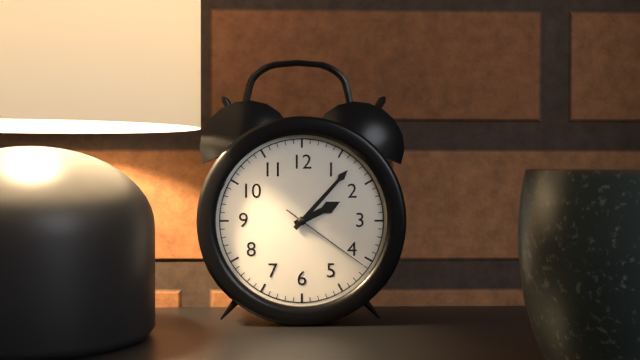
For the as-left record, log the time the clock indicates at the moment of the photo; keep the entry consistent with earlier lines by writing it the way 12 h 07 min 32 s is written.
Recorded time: 2 h 07 min 21 s
